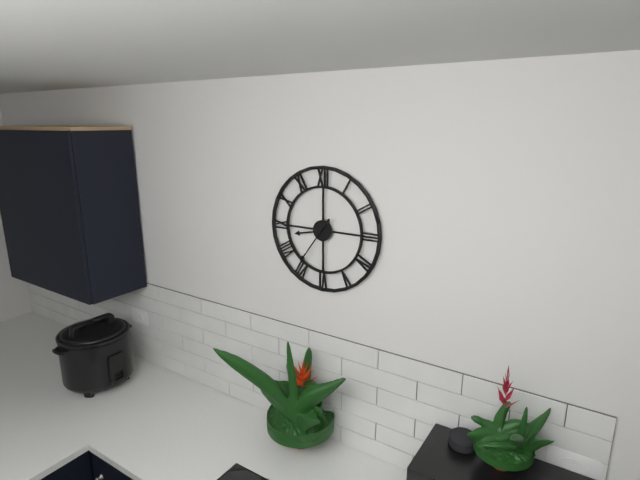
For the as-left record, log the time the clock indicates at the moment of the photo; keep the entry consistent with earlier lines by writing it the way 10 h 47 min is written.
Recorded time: 8 h 36 min
